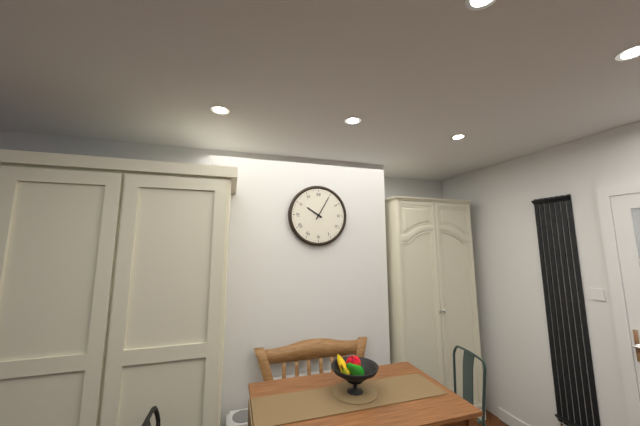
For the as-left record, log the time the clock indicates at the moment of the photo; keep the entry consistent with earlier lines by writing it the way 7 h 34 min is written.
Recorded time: 10 h 05 min
